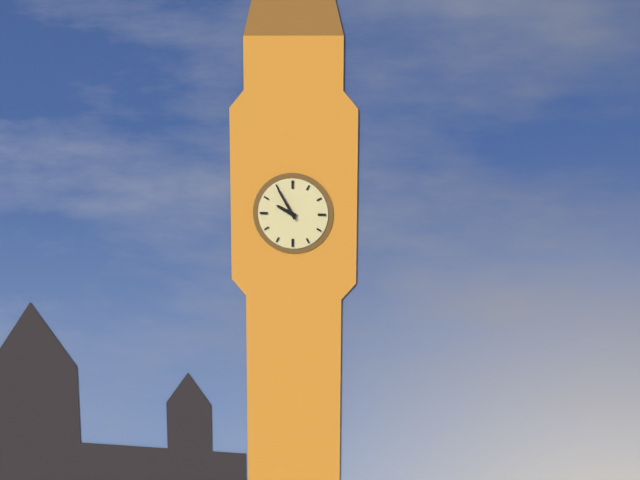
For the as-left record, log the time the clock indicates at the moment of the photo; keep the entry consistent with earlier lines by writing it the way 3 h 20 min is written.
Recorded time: 9 h 55 min
